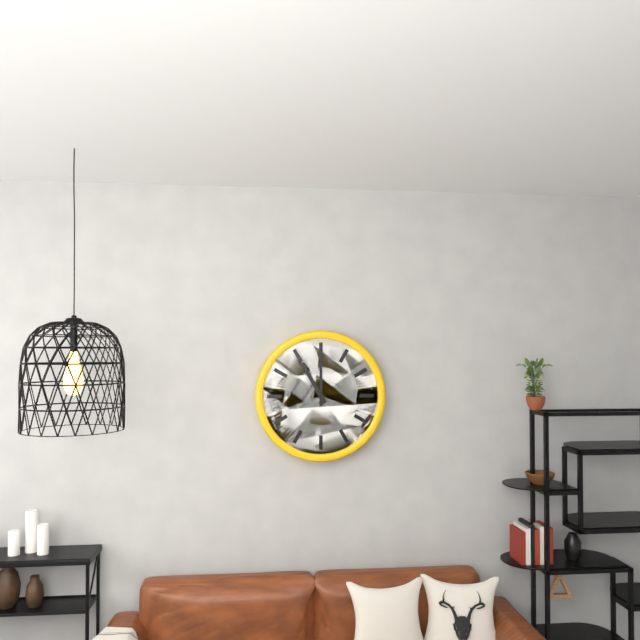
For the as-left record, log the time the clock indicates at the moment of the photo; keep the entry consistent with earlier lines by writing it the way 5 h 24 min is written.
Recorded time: 11 h 00 min
